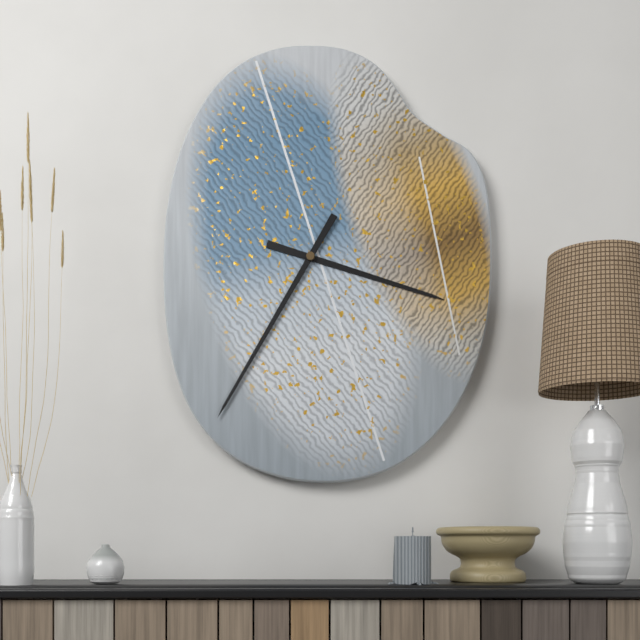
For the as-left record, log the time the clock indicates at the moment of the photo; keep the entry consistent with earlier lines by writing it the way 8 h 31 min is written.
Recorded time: 3 h 35 min
